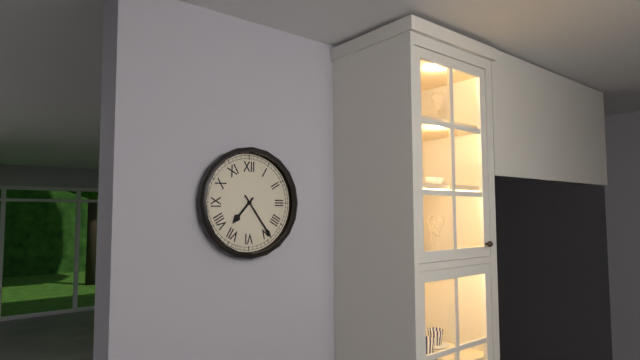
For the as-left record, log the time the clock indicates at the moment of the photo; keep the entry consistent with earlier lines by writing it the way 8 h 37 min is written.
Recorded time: 7 h 24 min
